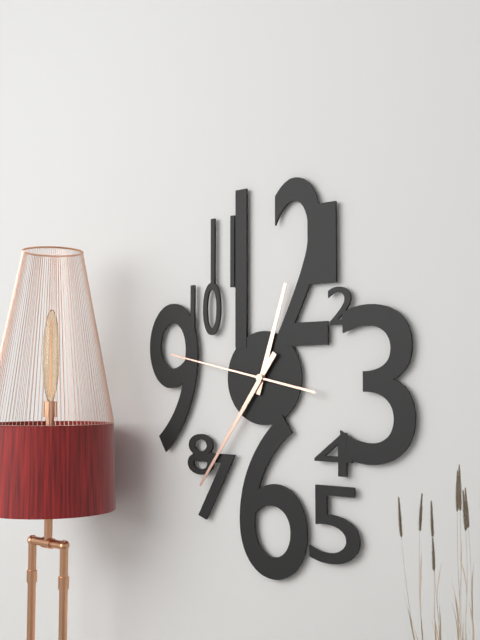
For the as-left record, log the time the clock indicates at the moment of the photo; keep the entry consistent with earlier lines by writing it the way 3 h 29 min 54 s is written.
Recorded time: 12 h 36 min 47 s
